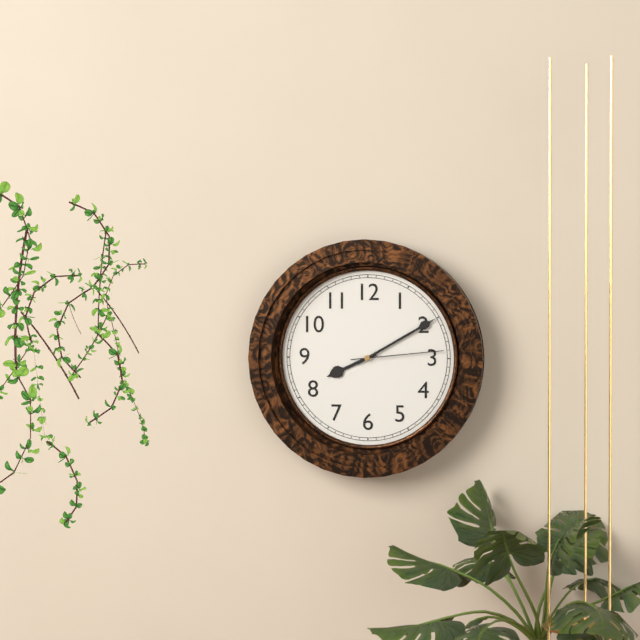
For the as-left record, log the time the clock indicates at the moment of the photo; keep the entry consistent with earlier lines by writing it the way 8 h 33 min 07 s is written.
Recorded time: 8 h 10 min 14 s
